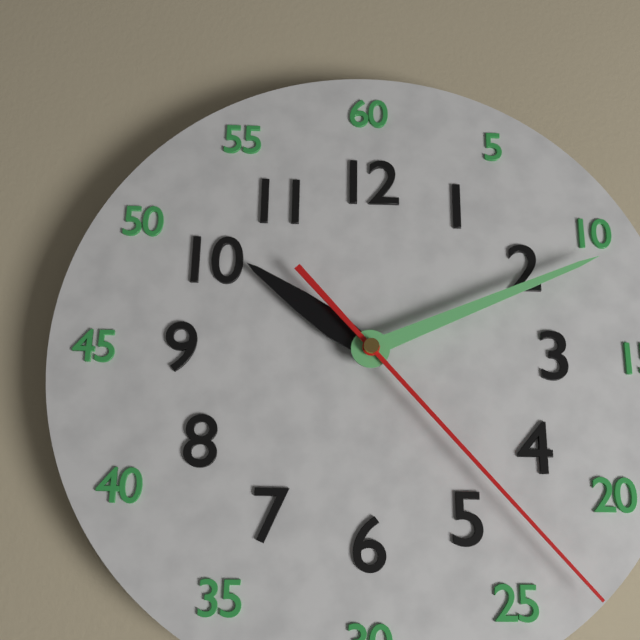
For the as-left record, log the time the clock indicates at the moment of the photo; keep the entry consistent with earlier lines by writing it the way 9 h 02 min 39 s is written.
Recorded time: 10 h 11 min 23 s
